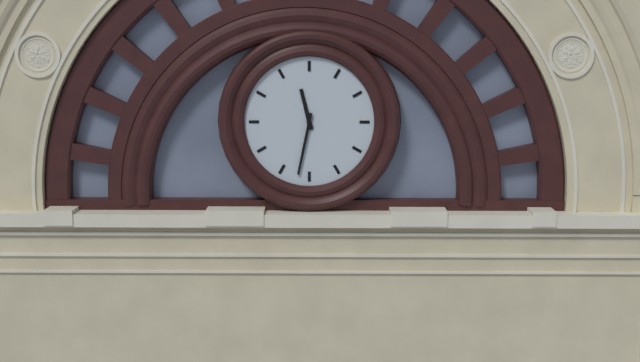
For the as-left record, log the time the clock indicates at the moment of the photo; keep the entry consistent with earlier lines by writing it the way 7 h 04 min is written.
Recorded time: 11 h 32 min
